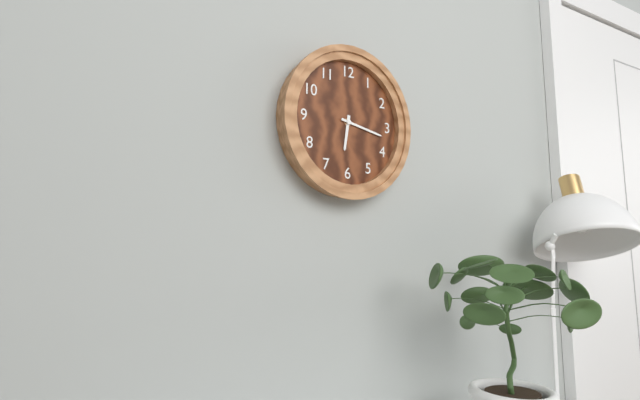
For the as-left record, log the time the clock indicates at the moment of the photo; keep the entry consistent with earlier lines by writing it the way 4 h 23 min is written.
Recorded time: 6 h 17 min
